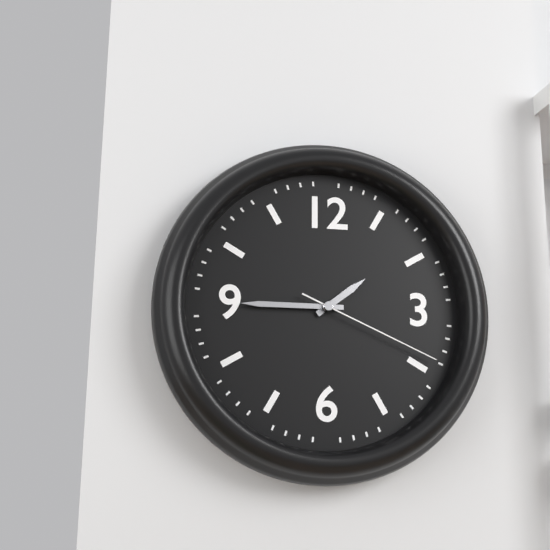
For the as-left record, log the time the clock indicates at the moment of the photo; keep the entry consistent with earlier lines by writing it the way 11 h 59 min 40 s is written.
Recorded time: 1 h 45 min 19 s
